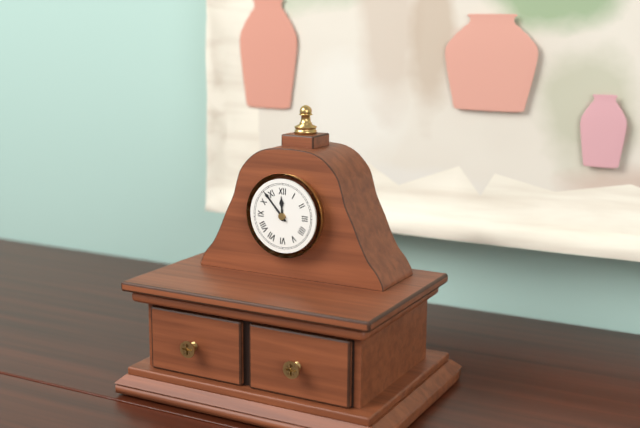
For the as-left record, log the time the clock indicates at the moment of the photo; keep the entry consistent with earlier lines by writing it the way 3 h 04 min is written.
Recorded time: 11 h 53 min
